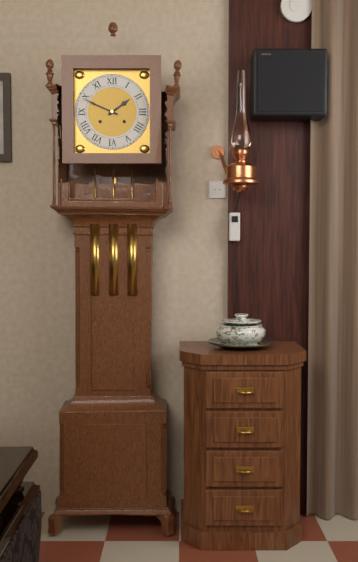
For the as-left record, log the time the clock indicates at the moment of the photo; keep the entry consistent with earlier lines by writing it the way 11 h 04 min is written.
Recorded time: 1 h 49 min
